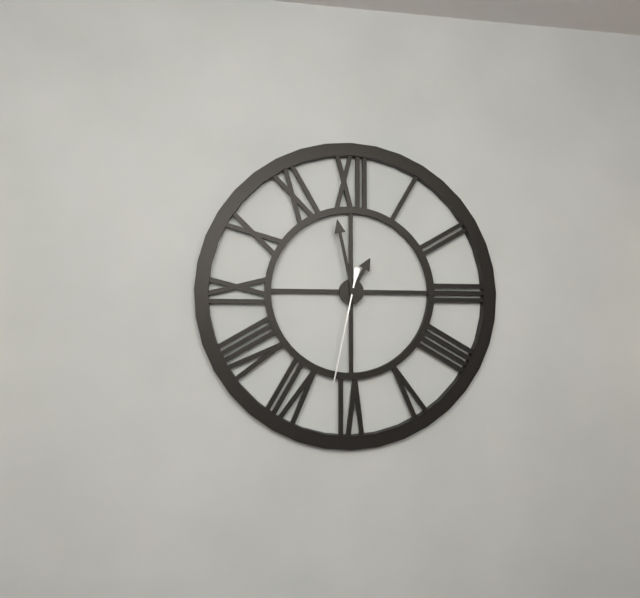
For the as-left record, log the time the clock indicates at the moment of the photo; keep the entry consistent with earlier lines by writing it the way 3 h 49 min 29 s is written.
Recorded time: 12 h 58 min 32 s
